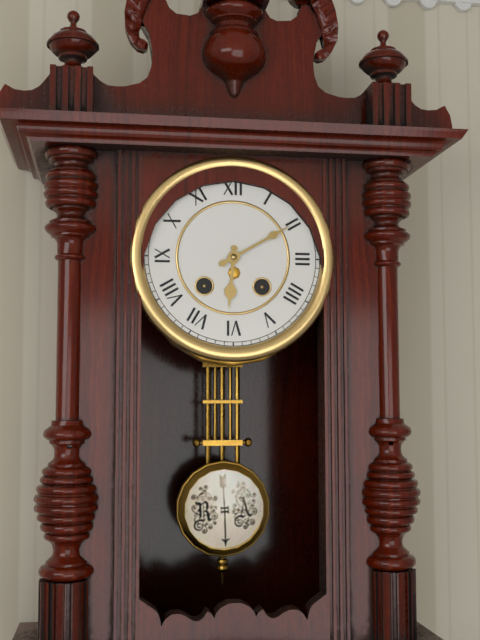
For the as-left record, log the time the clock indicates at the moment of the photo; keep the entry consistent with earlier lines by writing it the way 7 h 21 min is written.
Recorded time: 6 h 10 min
